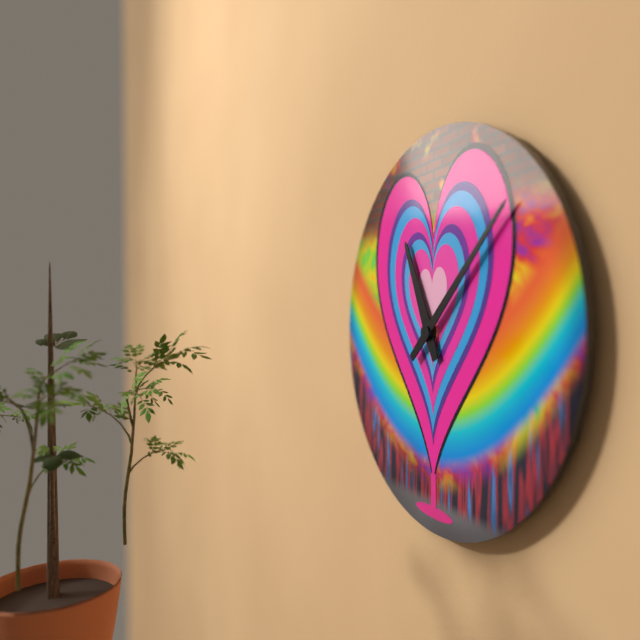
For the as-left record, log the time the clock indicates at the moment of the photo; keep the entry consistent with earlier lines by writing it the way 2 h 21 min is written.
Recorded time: 11 h 08 min
